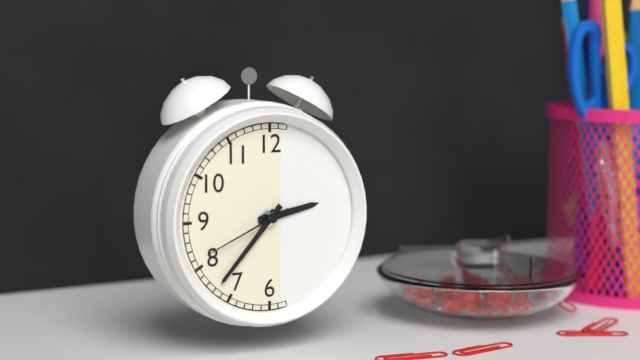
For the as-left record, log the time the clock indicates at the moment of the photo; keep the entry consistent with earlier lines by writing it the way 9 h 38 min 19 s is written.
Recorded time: 2 h 37 min 41 s
